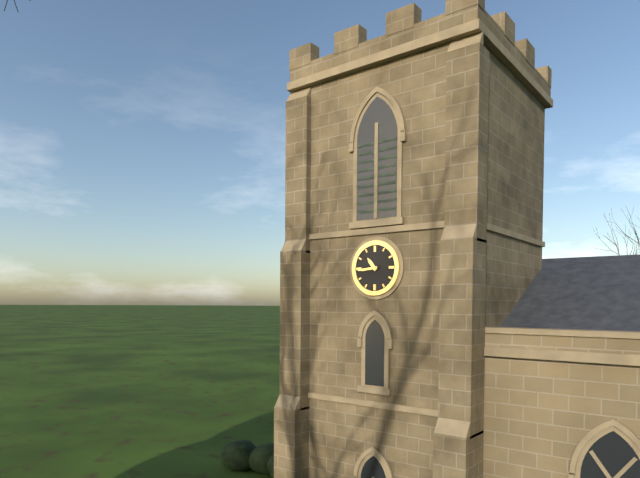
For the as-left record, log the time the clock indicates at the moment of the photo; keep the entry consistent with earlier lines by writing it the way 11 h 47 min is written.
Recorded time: 10 h 44 min
